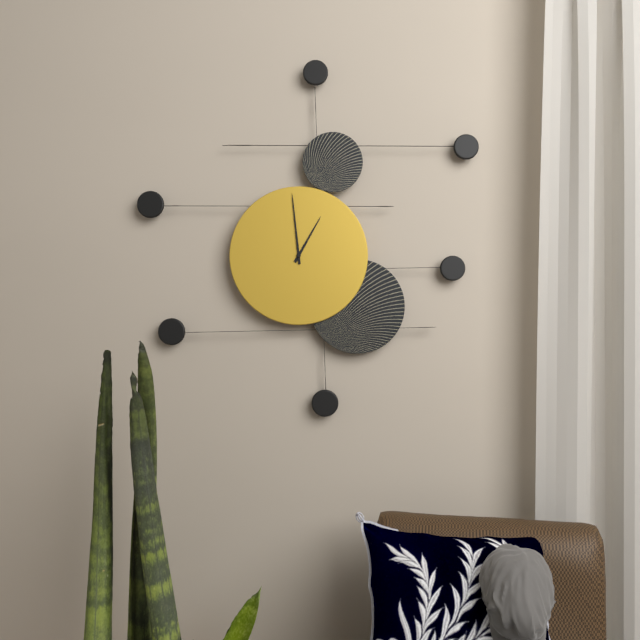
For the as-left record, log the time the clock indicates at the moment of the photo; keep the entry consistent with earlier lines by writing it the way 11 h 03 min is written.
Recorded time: 12 h 59 min
